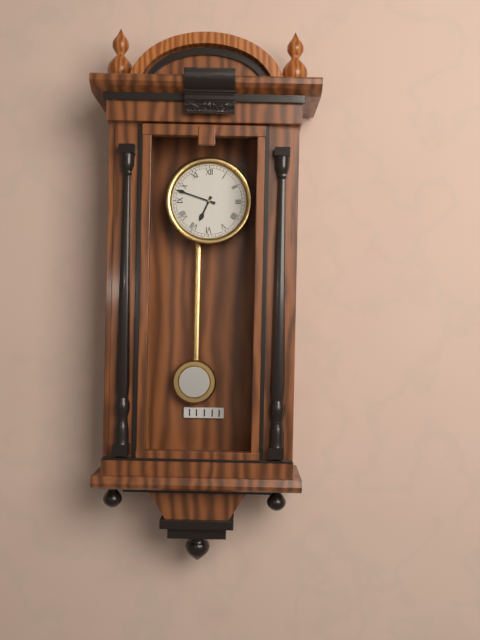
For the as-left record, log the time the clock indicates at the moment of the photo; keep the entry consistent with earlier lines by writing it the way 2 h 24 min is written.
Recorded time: 6 h 48 min
